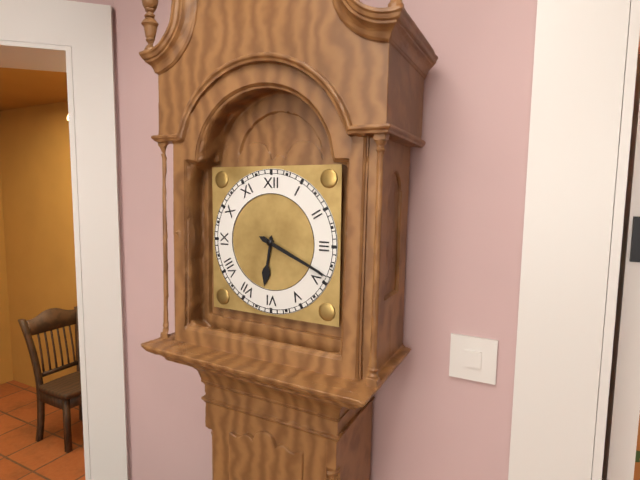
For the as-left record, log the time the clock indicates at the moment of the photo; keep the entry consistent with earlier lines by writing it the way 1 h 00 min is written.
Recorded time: 6 h 19 min
